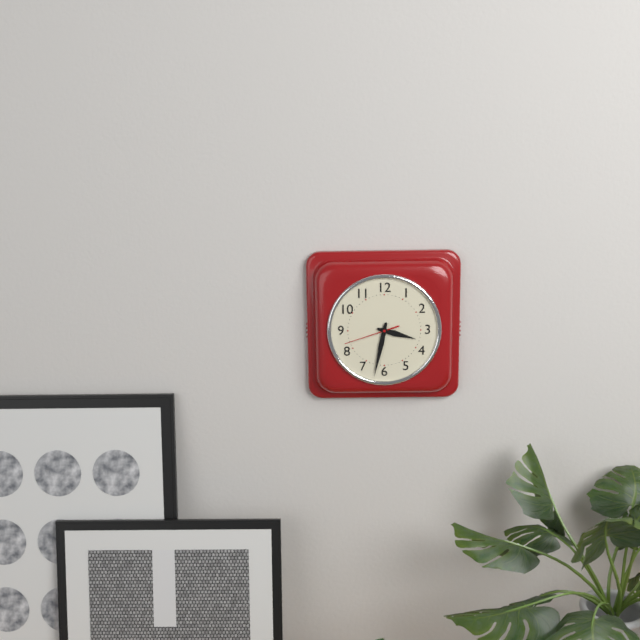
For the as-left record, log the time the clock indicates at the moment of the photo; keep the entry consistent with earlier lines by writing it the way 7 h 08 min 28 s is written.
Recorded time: 3 h 32 min 42 s
